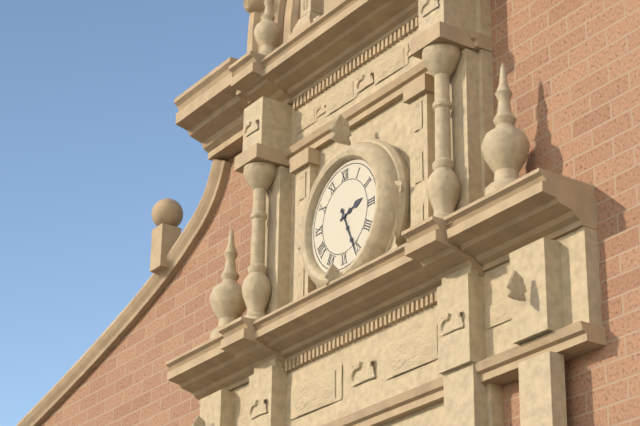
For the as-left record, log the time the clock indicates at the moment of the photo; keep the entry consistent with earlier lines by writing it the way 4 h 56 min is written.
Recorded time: 2 h 26 min
